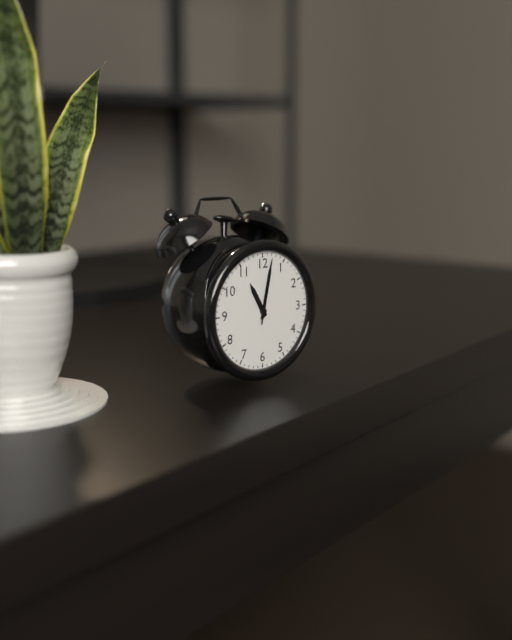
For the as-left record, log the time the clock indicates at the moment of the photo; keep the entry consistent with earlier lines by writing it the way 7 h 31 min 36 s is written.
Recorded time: 11 h 02 min 02 s
